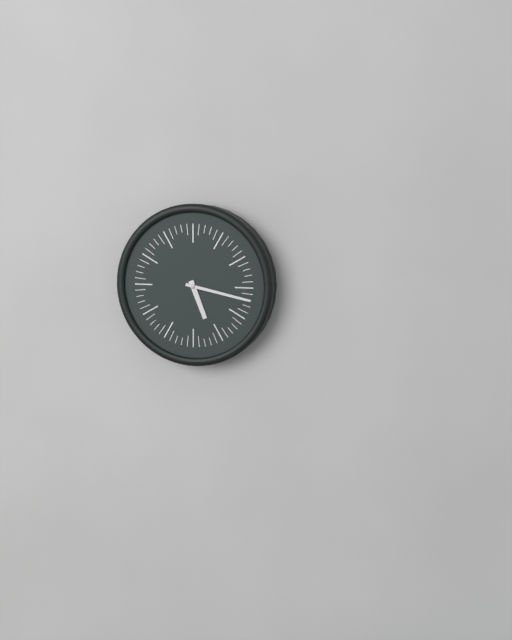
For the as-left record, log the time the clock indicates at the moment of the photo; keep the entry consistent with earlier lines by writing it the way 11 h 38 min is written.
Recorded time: 5 h 17 min
